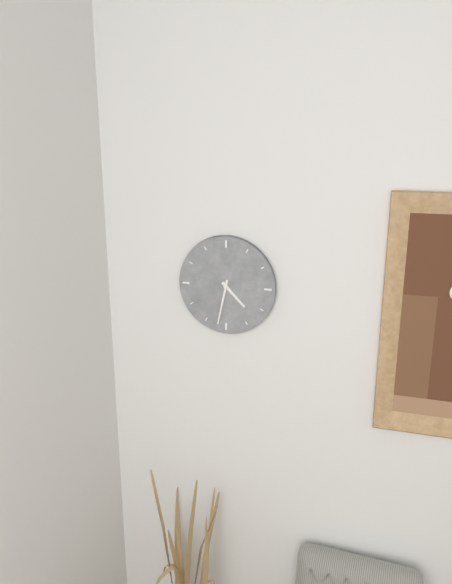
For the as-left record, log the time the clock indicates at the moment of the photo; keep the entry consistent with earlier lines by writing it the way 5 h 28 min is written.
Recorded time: 4 h 32 min
